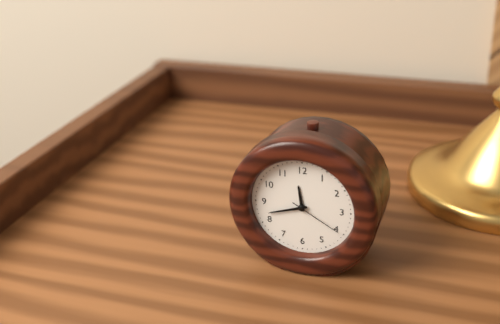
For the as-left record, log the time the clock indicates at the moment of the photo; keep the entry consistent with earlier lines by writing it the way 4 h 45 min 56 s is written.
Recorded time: 11 h 42 min 20 s
